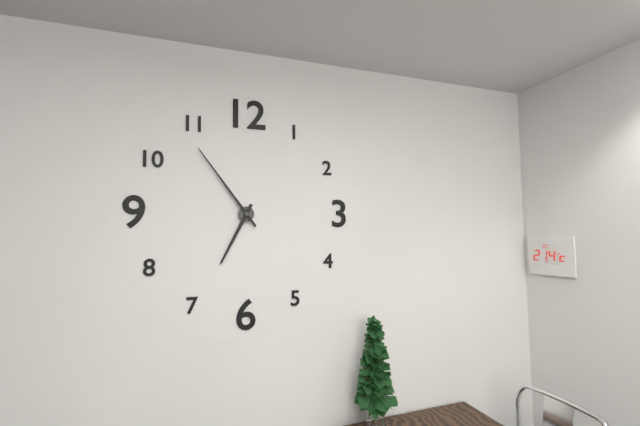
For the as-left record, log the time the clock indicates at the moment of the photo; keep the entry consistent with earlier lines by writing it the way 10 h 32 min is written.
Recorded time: 6 h 54 min
